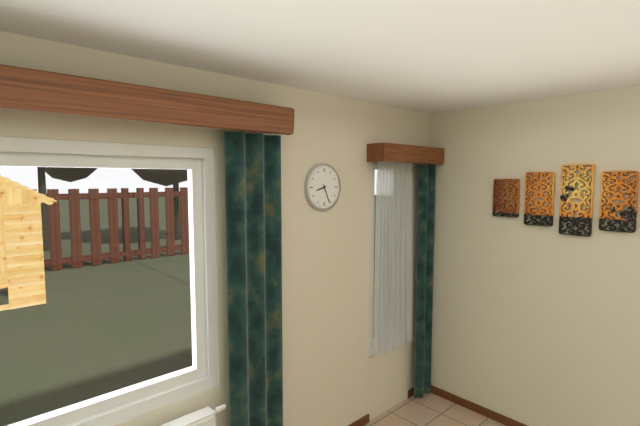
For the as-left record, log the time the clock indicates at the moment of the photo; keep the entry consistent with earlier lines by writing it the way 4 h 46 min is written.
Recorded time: 8 h 26 min
